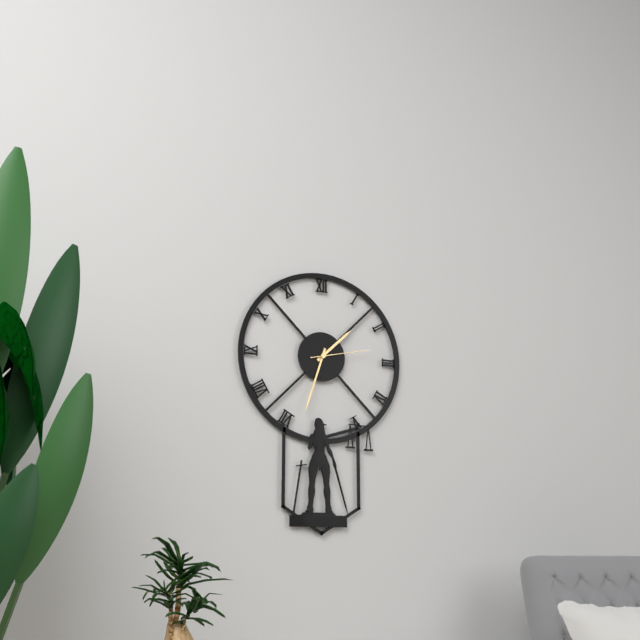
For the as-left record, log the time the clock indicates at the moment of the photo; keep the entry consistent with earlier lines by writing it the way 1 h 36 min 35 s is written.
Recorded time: 1 h 33 min 13 s
